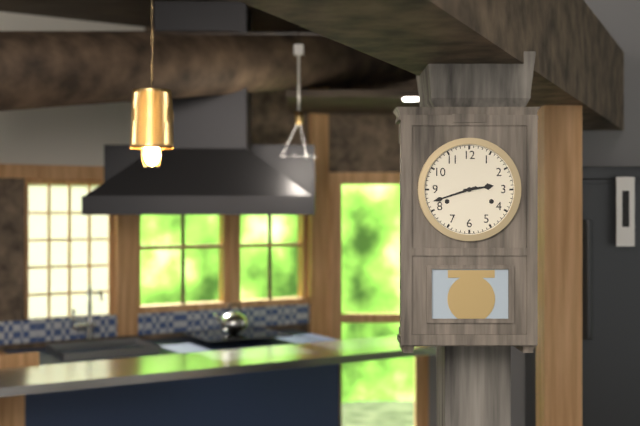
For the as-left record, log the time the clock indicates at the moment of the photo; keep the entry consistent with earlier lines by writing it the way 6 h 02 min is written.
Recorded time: 2 h 42 min
